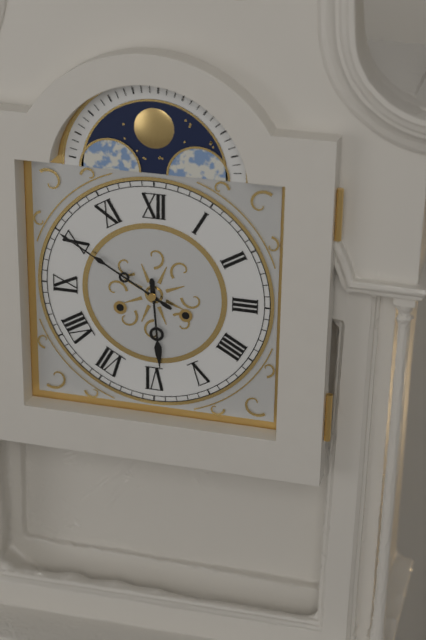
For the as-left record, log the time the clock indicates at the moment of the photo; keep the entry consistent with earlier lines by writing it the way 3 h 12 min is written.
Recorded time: 5 h 50 min
